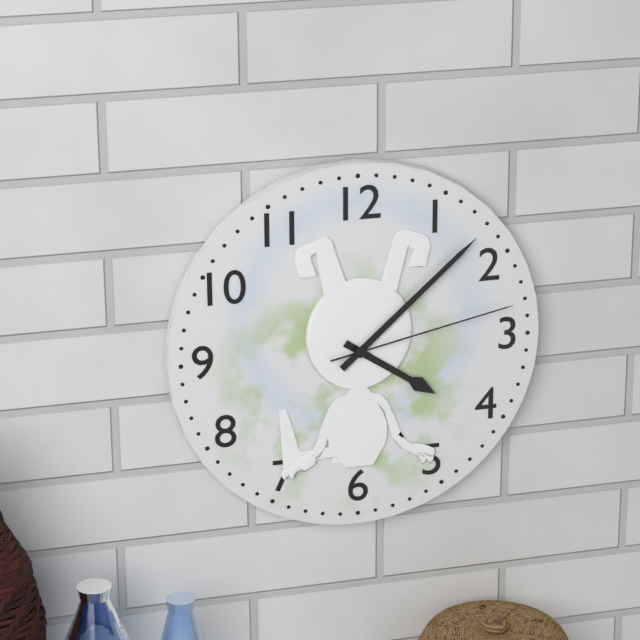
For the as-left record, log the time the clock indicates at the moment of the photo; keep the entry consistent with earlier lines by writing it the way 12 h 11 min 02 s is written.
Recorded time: 4 h 08 min 13 s
